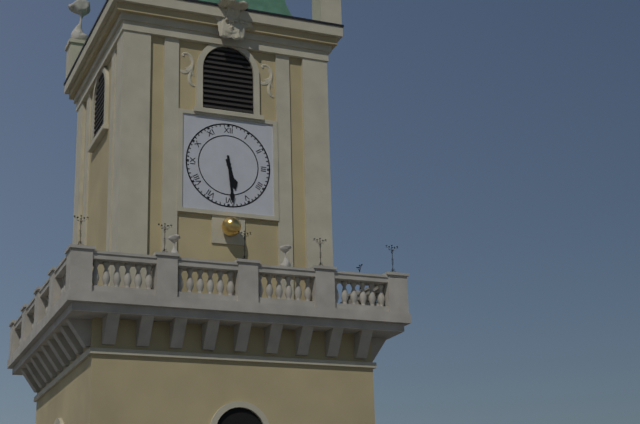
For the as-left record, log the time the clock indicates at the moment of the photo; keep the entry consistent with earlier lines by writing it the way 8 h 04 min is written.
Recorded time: 5 h 29 min
